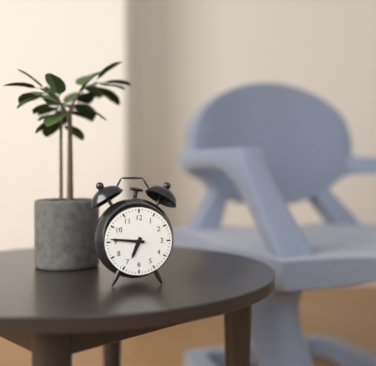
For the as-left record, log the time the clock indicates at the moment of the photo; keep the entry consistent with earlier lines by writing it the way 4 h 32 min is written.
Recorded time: 6 h 46 min
